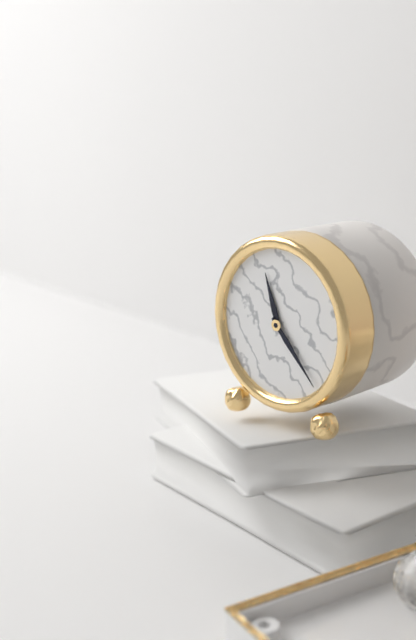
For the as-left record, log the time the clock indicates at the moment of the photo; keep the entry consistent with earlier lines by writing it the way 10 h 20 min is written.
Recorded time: 11 h 23 min
